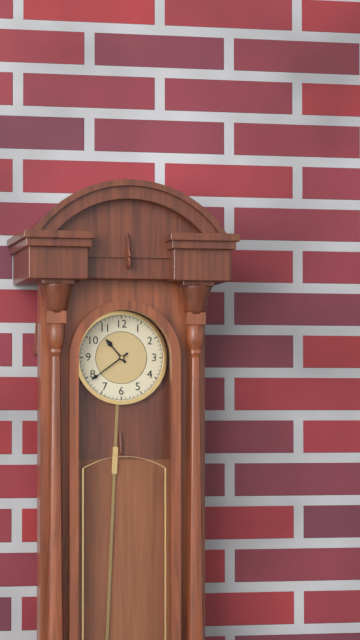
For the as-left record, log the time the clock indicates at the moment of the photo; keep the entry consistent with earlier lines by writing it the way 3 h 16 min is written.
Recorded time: 10 h 39 min
